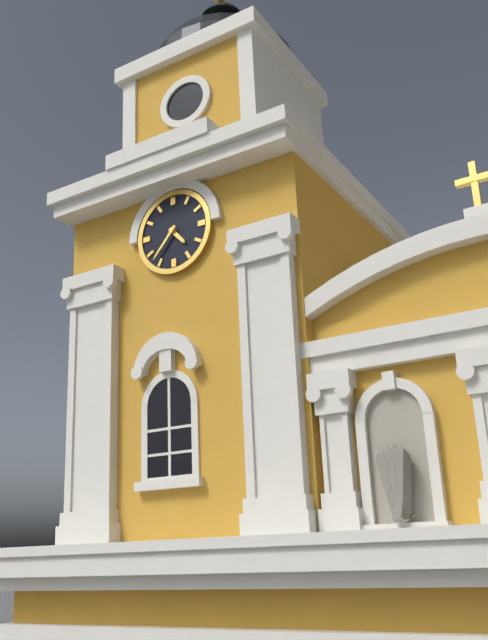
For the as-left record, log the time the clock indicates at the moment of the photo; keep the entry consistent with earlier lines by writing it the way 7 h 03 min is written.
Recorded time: 4 h 37 min
